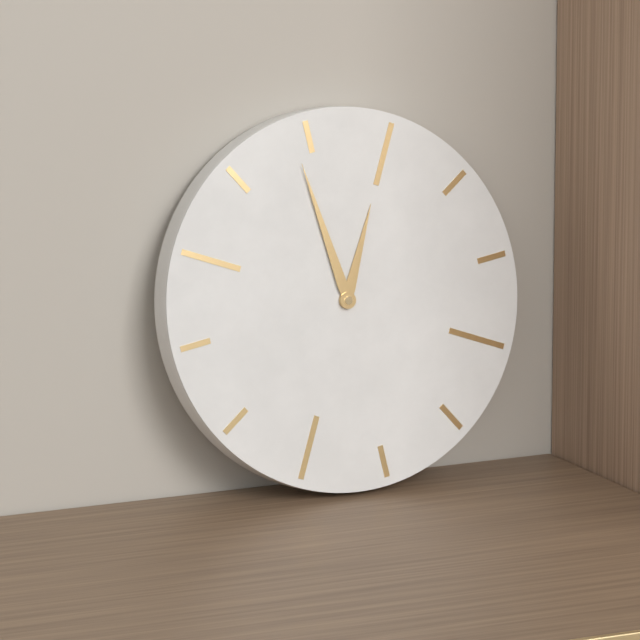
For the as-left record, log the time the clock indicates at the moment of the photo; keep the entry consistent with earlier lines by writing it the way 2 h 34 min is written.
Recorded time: 12 h 59 min
